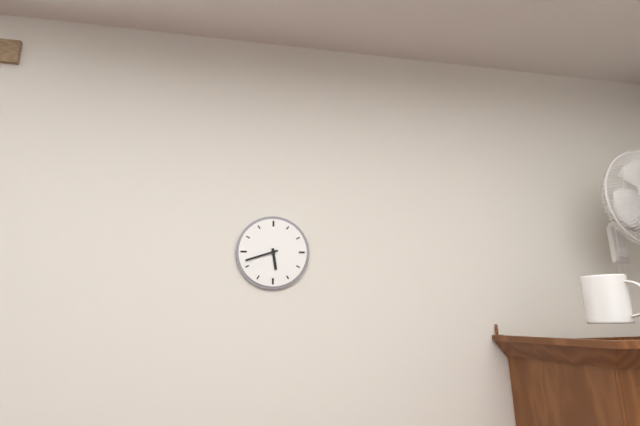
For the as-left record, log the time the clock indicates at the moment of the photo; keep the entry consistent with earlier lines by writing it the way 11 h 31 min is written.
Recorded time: 5 h 42 min
